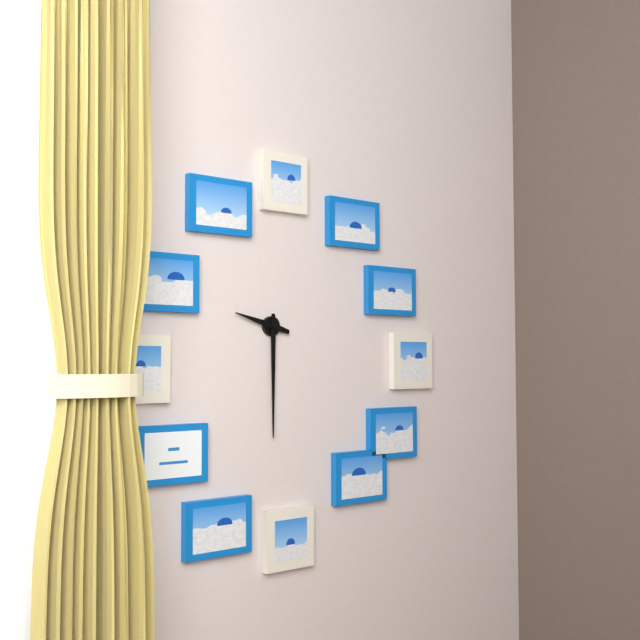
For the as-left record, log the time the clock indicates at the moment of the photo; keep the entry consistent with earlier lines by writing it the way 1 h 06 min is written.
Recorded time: 9 h 30 min
